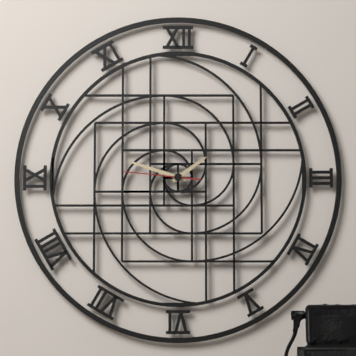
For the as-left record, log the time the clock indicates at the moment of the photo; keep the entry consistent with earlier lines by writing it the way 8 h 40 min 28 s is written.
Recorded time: 1 h 48 min 46 s
